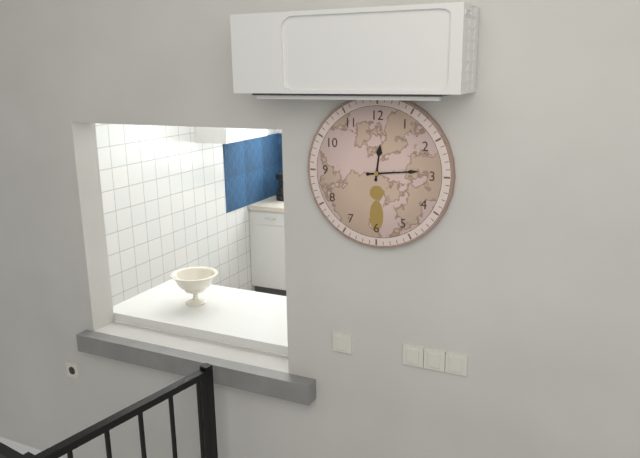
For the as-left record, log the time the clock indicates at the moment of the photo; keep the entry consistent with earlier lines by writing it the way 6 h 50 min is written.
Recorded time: 12 h 14 min
